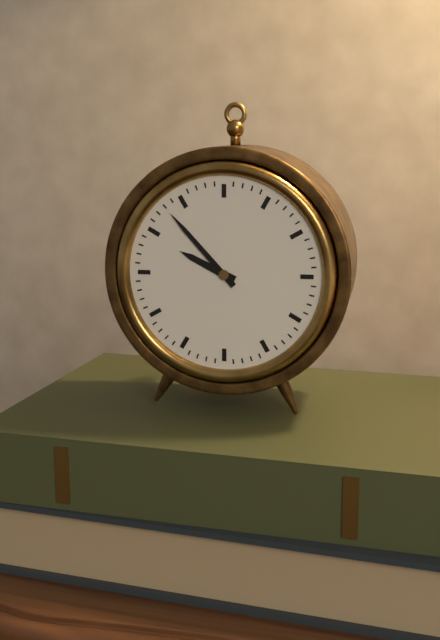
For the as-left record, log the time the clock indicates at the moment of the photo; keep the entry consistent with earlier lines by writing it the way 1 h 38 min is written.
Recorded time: 9 h 53 min
